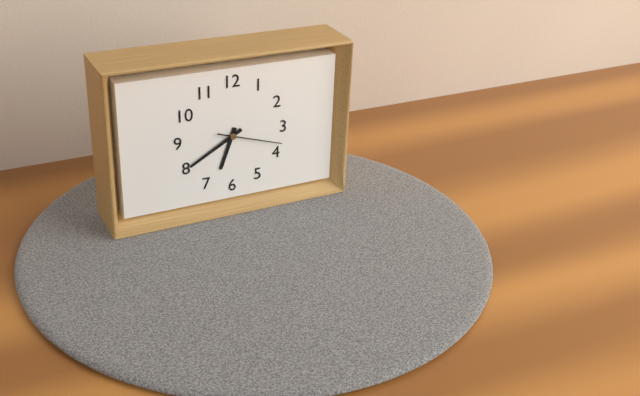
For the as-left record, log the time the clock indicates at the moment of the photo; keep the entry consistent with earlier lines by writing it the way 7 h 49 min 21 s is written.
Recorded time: 6 h 40 min 18 s
